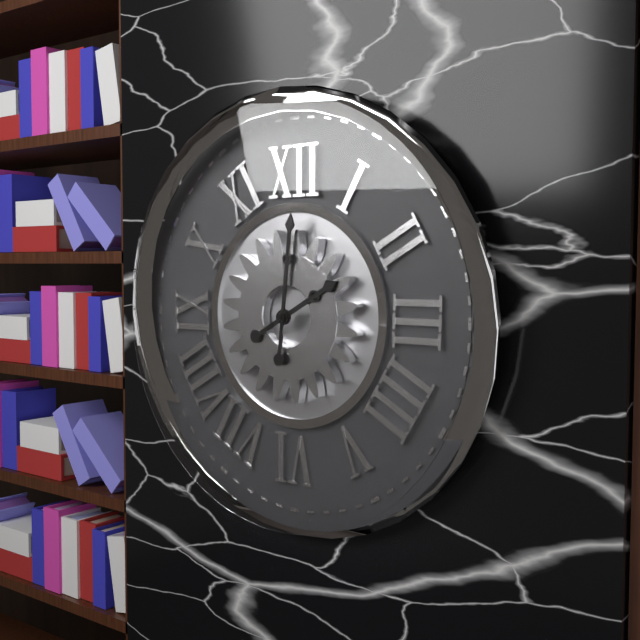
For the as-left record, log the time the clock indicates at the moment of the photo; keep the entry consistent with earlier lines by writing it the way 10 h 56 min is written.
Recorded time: 2 h 01 min
